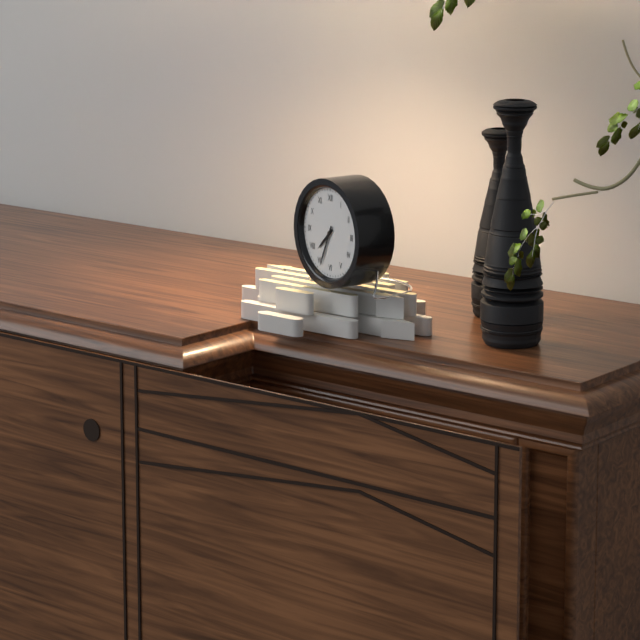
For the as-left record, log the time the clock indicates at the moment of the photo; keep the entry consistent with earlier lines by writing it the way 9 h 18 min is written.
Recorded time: 7 h 34 min
